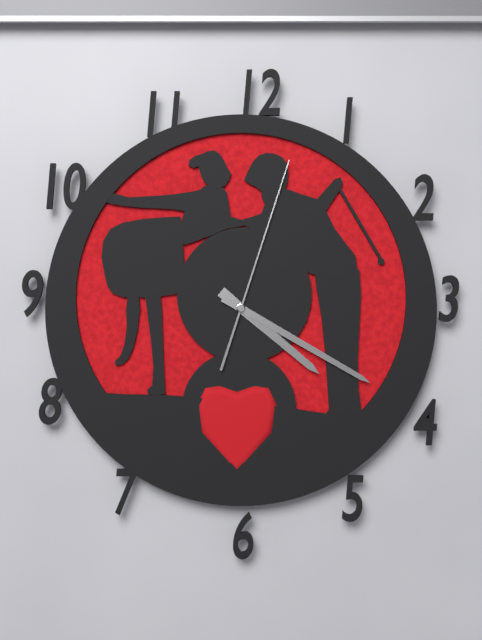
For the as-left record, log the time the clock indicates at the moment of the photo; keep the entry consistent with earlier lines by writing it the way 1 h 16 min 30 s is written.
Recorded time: 4 h 20 min 03 s
